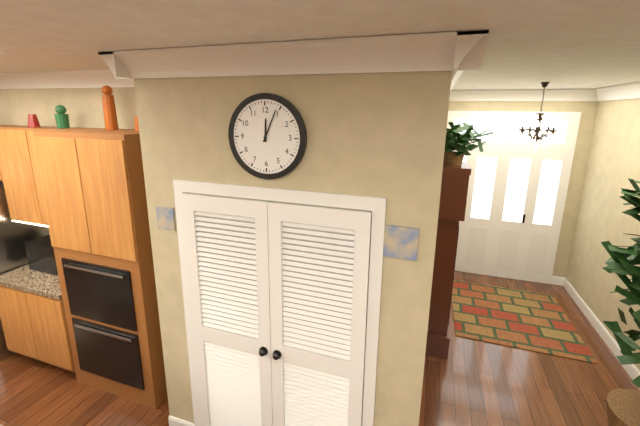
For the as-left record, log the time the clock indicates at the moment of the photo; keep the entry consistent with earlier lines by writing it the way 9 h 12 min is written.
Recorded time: 12 h 04 min
